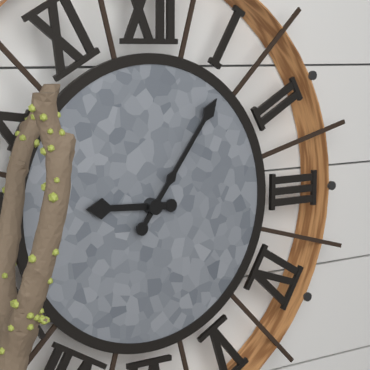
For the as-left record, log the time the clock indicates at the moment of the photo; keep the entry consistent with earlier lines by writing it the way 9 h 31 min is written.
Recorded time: 9 h 06 min
